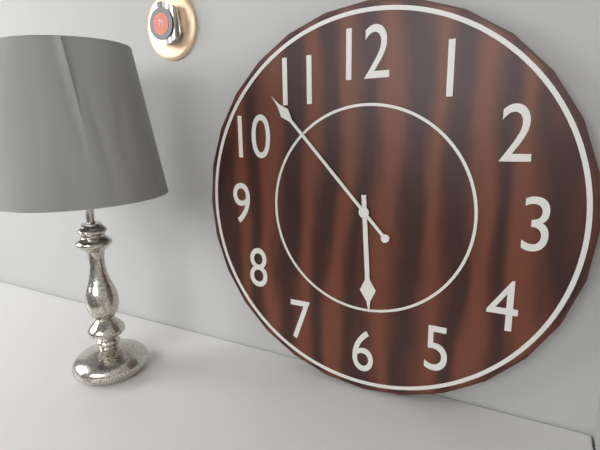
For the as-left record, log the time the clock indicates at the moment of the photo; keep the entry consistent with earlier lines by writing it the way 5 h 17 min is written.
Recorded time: 5 h 53 min
